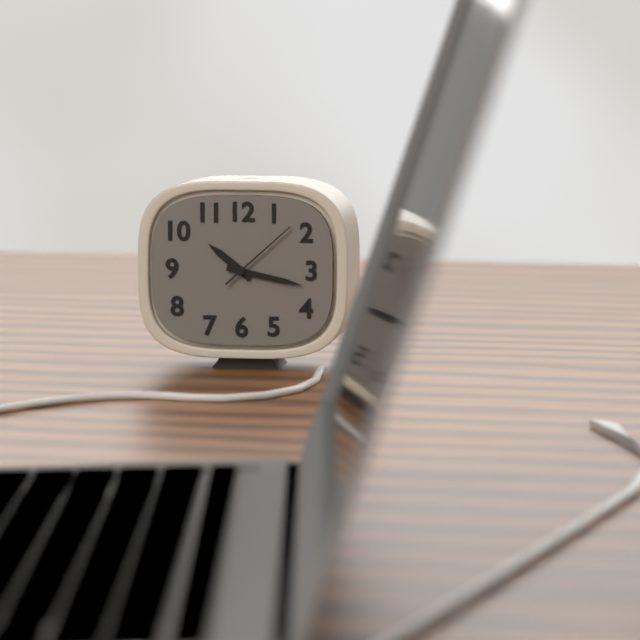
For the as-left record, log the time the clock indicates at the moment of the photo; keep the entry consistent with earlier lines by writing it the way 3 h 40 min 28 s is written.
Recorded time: 10 h 17 min 08 s
